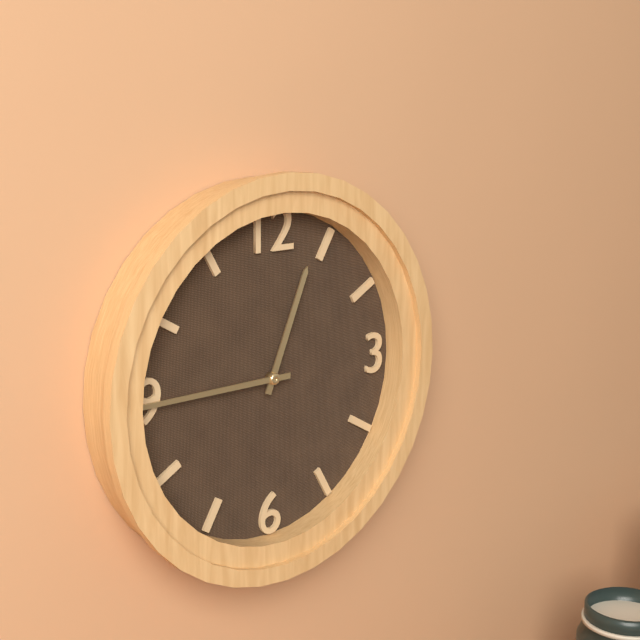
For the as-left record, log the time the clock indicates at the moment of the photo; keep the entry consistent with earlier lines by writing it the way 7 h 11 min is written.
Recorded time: 12 h 45 min
